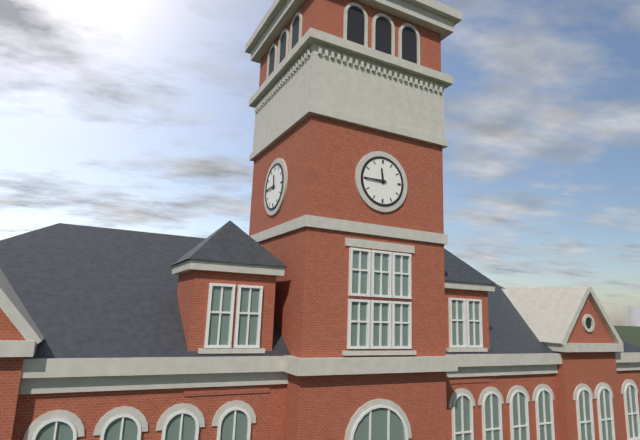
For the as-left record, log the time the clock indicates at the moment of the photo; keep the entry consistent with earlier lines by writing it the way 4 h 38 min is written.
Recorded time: 11 h 45 min
